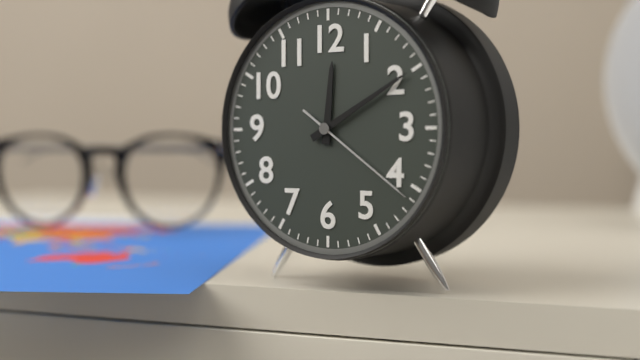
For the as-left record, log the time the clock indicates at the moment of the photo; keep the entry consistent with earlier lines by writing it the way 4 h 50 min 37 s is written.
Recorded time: 12 h 10 min 21 s
